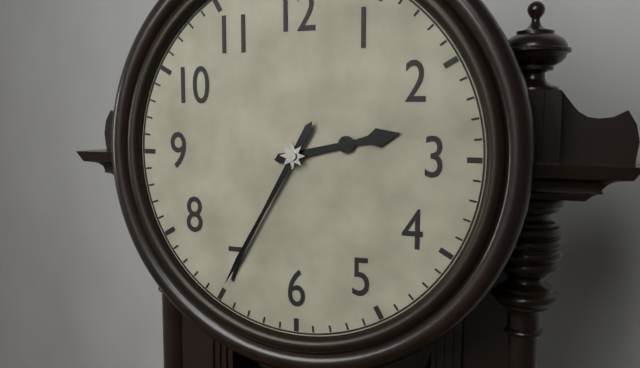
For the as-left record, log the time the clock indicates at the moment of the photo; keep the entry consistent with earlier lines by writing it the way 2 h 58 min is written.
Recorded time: 2 h 35 min
